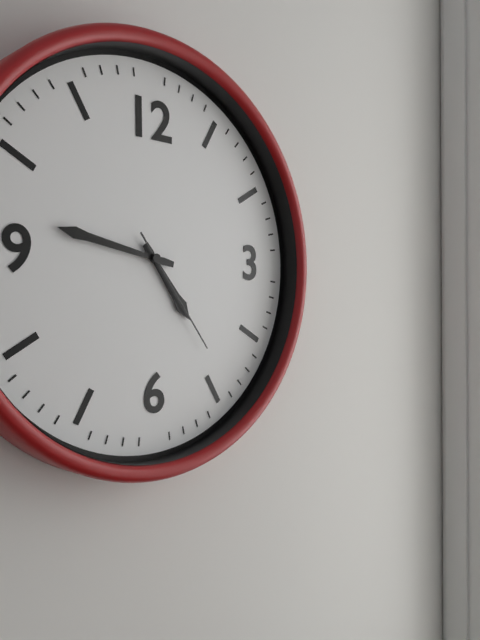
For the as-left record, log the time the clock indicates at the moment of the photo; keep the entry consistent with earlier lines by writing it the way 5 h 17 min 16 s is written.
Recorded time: 4 h 47 min 24 s
